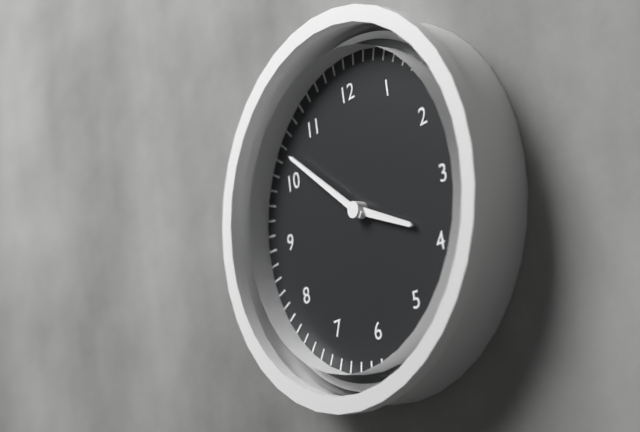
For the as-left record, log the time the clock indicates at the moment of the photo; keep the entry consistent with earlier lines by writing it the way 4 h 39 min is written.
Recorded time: 3 h 52 min
